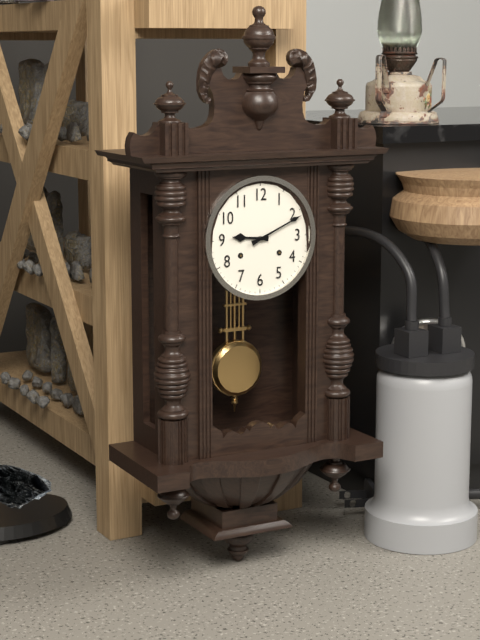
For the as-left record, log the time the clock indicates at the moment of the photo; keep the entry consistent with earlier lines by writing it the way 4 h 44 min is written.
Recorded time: 9 h 11 min
